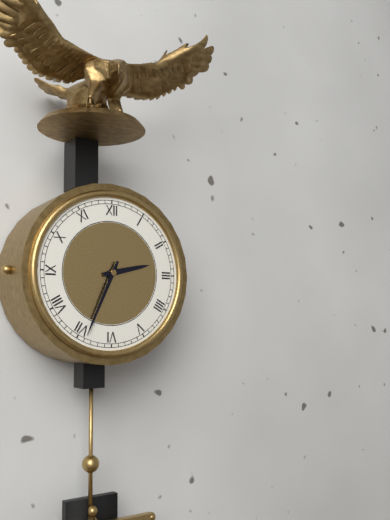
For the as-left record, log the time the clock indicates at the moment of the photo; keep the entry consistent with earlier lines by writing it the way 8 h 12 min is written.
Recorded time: 2 h 34 min
